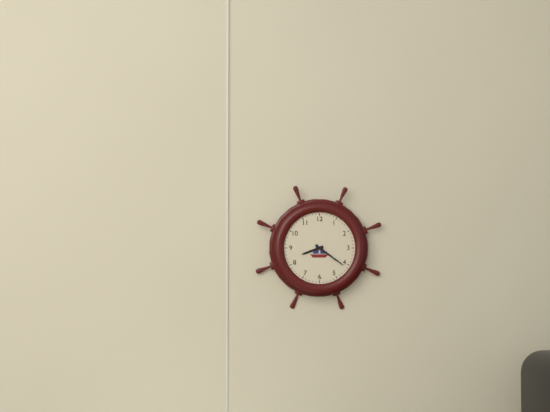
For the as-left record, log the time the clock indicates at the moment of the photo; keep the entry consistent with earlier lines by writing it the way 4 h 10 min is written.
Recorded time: 8 h 21 min
